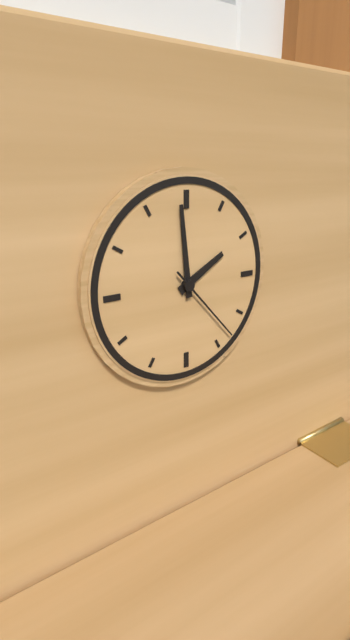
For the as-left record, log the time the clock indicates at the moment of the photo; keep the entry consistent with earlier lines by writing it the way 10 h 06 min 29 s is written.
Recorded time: 1 h 59 min 23 s
